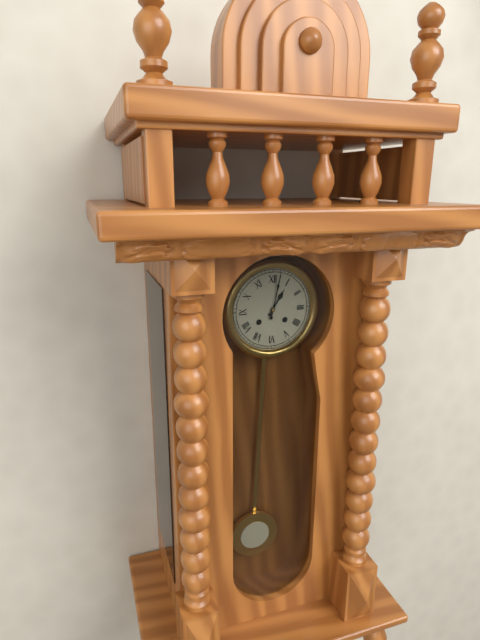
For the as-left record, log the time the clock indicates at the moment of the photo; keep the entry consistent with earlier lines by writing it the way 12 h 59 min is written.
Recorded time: 1 h 02 min
